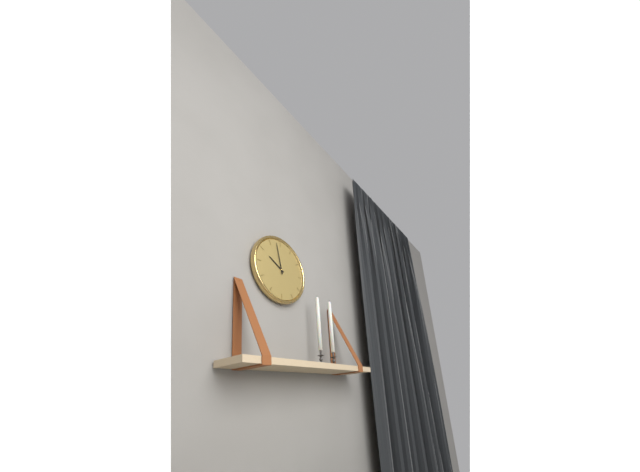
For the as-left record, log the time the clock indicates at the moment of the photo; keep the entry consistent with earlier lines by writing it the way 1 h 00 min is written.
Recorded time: 9 h 58 min
